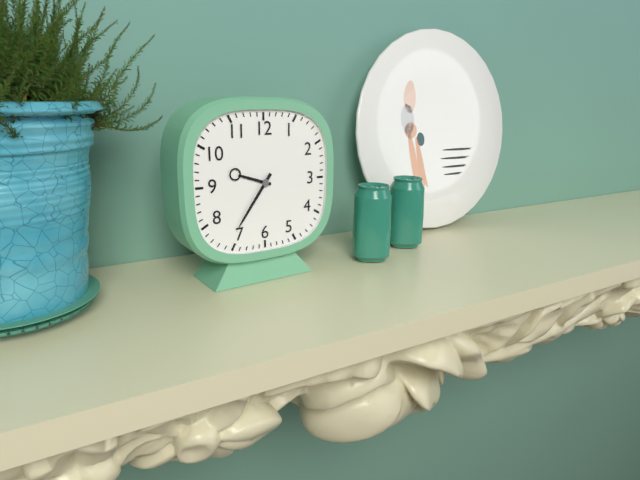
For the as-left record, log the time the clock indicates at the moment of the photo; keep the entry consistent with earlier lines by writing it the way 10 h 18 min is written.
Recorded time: 9 h 36 min
